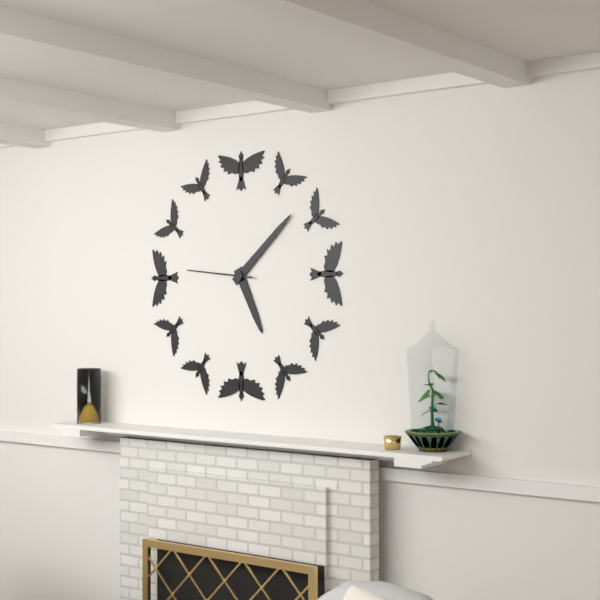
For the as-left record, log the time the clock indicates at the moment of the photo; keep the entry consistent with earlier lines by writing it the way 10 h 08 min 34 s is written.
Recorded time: 5 h 08 min 46 s
